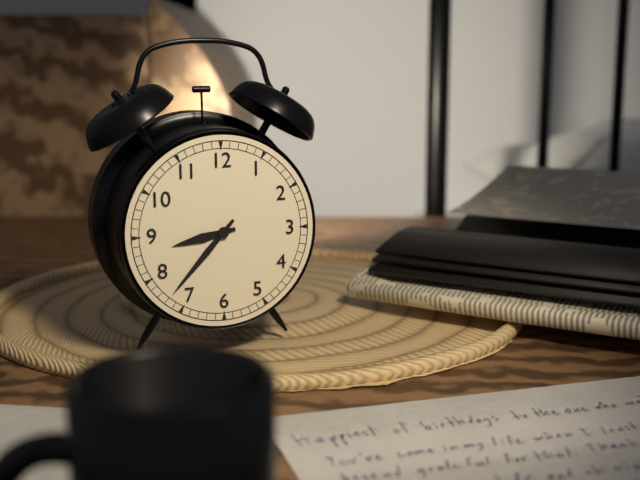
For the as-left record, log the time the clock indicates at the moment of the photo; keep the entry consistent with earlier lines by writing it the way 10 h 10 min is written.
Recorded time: 8 h 37 min
